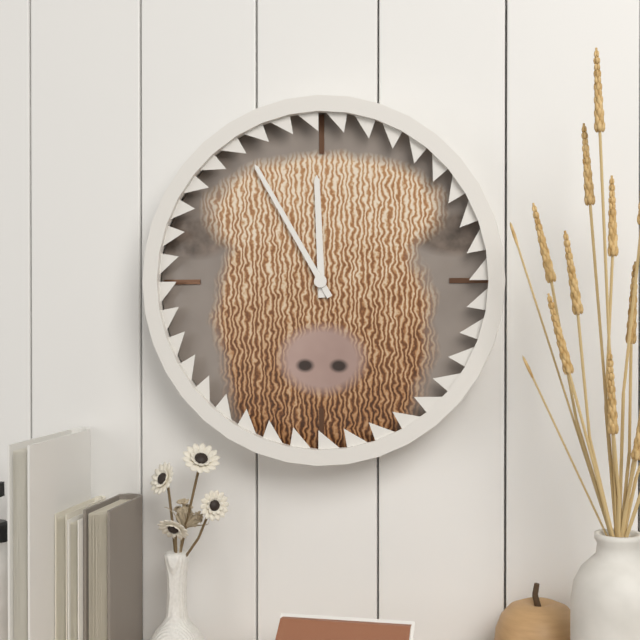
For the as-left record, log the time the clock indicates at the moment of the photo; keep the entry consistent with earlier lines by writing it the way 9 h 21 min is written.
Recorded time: 11 h 55 min
